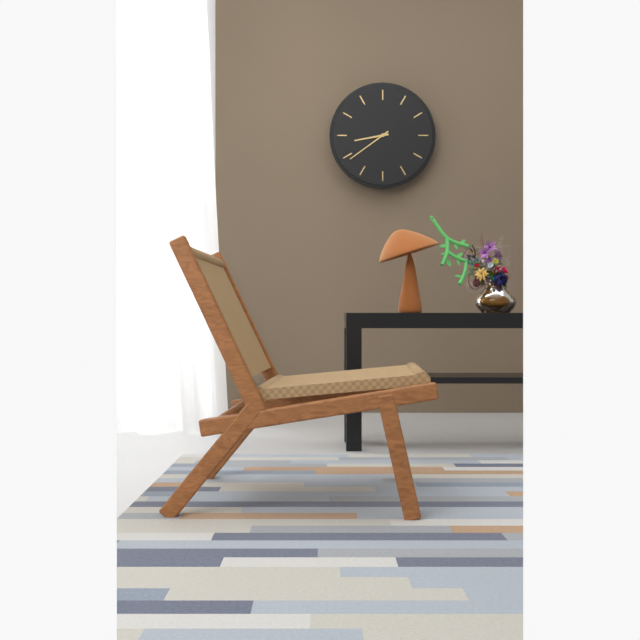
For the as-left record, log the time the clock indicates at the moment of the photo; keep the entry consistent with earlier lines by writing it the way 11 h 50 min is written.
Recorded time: 8 h 39 min
